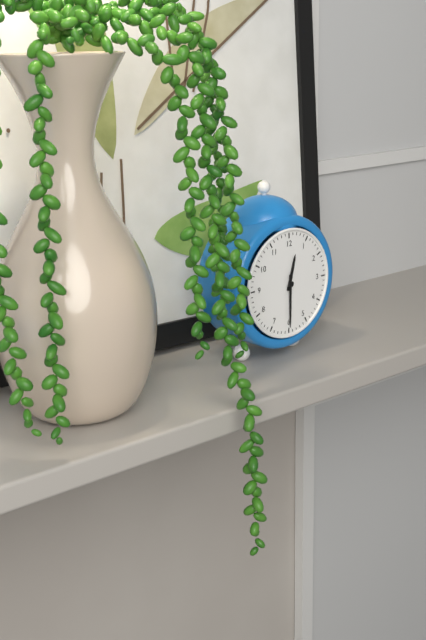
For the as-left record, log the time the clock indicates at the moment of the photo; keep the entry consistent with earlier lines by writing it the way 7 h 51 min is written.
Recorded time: 12 h 30 min
